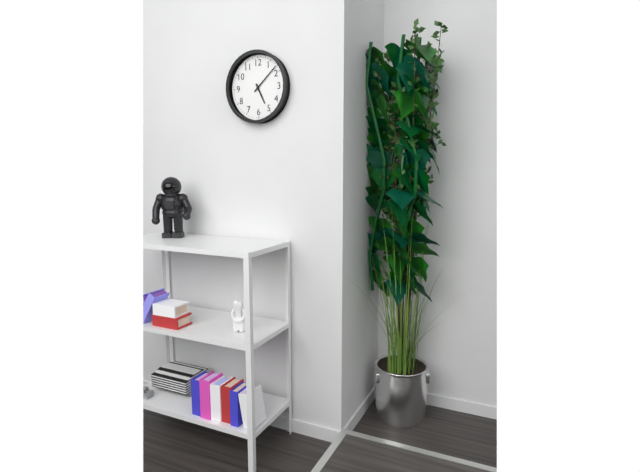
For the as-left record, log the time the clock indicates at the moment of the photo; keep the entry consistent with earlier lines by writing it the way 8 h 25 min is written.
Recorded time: 5 h 08 min
